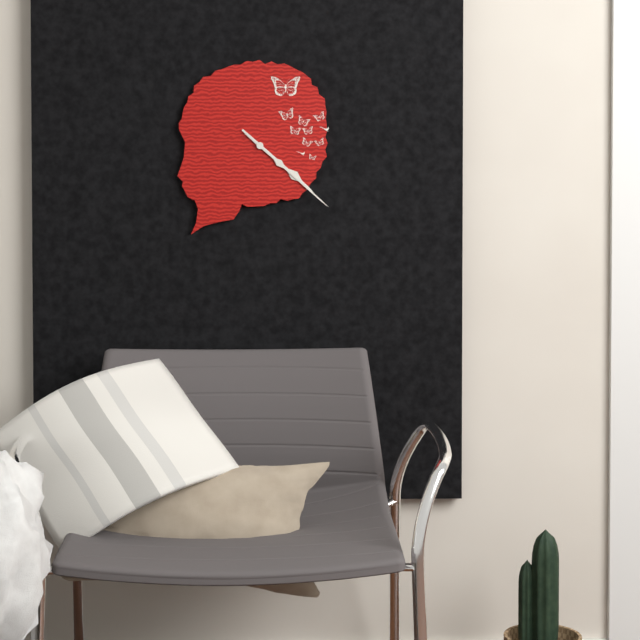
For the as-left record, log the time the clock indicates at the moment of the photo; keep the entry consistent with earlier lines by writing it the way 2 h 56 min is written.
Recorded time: 4 h 22 min
